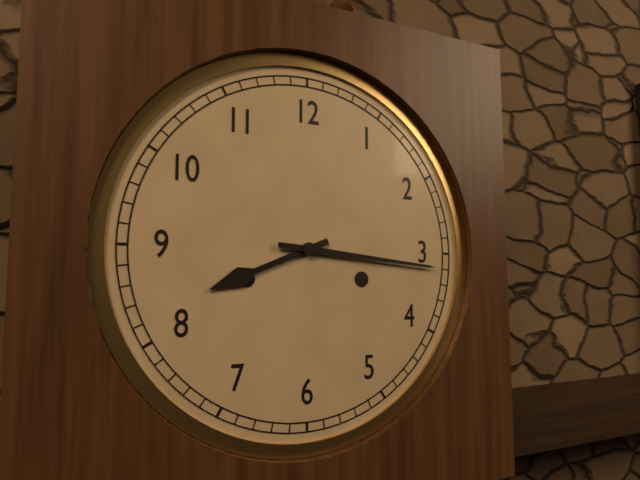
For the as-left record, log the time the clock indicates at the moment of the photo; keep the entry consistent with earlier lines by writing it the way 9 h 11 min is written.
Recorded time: 8 h 16 min
